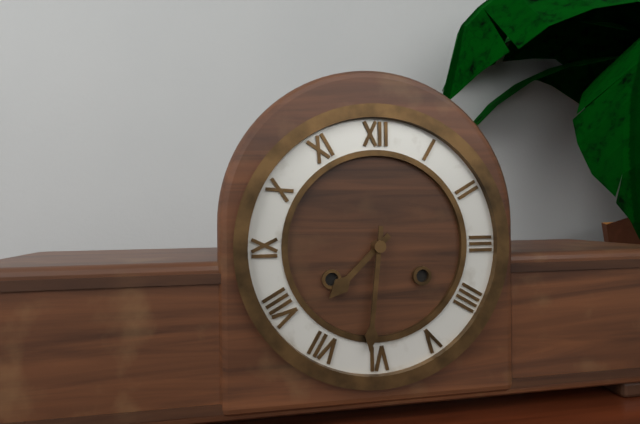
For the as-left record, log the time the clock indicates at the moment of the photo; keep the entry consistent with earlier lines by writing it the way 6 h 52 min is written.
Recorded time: 7 h 31 min
